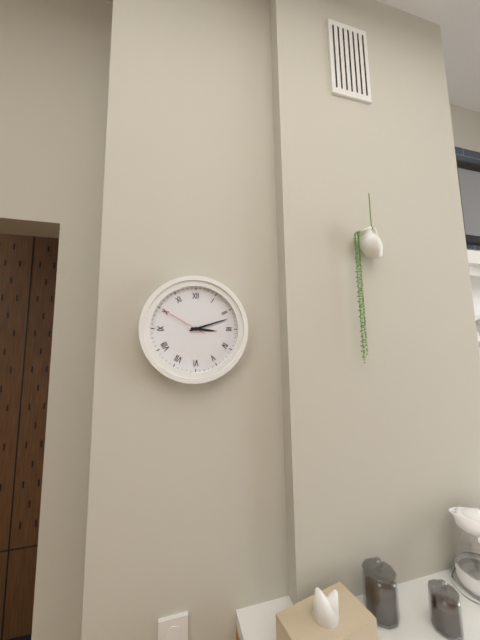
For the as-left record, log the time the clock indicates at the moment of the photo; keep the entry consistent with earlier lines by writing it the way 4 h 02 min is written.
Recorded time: 3 h 12 min
